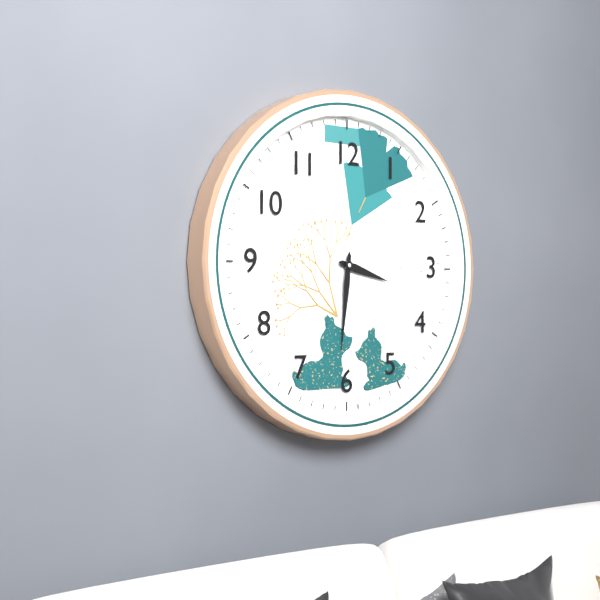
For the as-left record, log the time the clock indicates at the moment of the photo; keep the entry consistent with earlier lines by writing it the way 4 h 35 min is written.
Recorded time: 3 h 31 min
